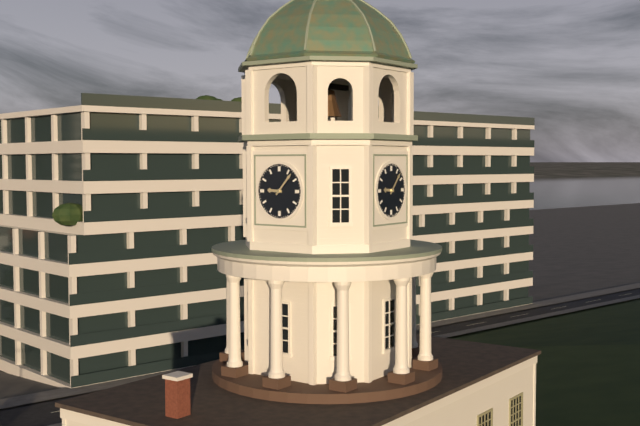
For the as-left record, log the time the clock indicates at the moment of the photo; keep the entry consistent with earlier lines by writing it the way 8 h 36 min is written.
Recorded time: 9 h 07 min
